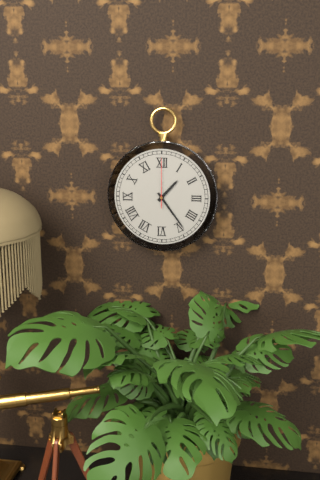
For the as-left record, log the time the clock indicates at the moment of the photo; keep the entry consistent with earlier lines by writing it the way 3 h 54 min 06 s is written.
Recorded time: 1 h 24 min 00 s
